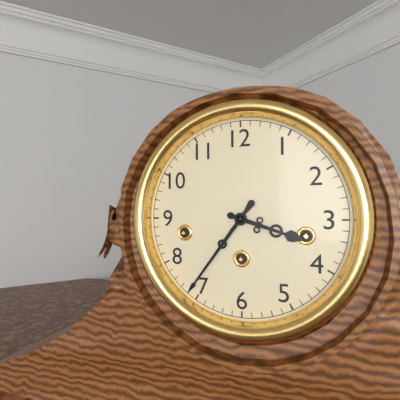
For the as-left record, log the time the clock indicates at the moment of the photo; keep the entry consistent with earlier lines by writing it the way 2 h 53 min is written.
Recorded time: 3 h 36 min
